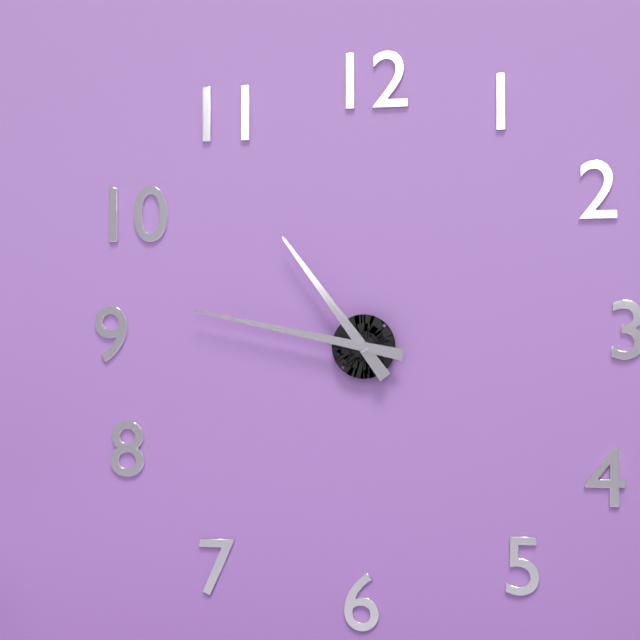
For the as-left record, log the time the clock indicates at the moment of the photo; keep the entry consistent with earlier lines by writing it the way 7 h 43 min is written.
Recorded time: 10 h 47 min
